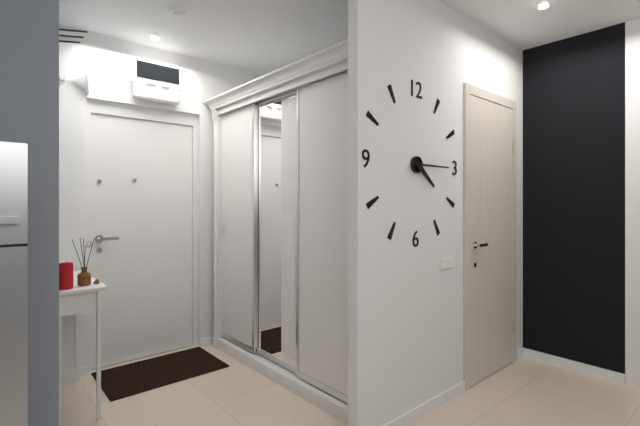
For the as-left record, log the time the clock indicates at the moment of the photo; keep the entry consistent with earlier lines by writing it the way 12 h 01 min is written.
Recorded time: 4 h 15 min
